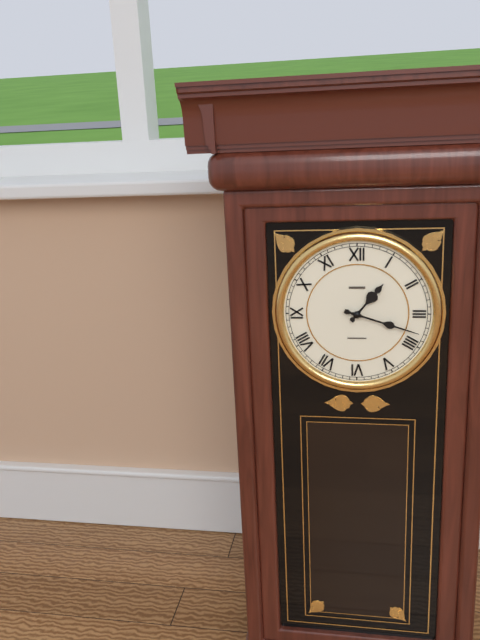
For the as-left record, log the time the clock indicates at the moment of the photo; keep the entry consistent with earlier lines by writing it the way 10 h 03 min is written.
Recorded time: 1 h 18 min
